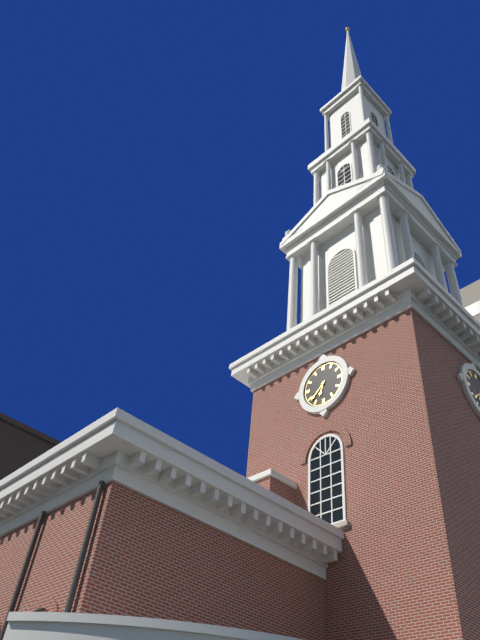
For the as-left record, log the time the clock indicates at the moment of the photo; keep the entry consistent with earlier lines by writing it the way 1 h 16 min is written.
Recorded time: 6 h 38 min
